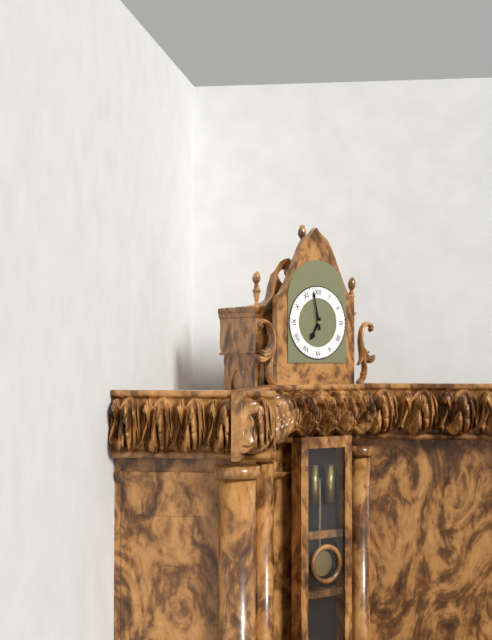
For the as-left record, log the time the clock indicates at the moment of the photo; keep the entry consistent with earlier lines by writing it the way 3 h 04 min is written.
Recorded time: 6 h 58 min
